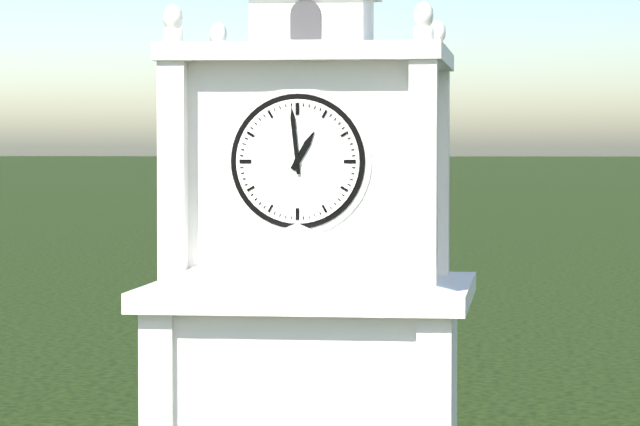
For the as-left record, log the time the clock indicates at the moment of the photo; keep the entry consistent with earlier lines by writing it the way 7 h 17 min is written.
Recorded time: 12 h 59 min
